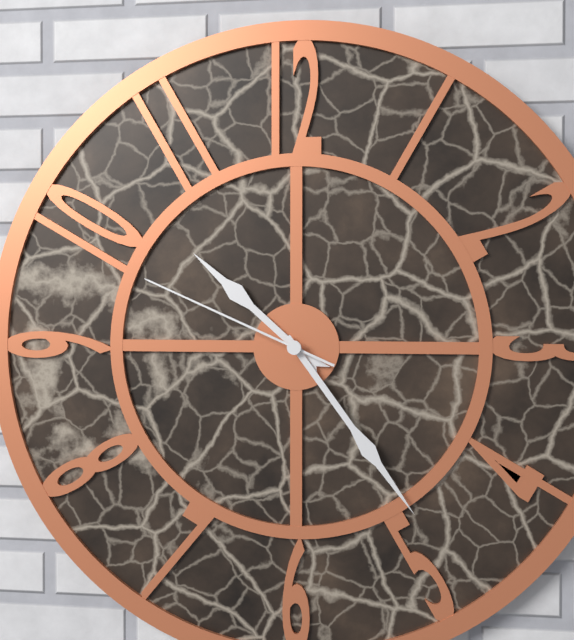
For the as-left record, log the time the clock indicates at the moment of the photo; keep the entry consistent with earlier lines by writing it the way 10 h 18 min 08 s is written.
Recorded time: 10 h 24 min 49 s
